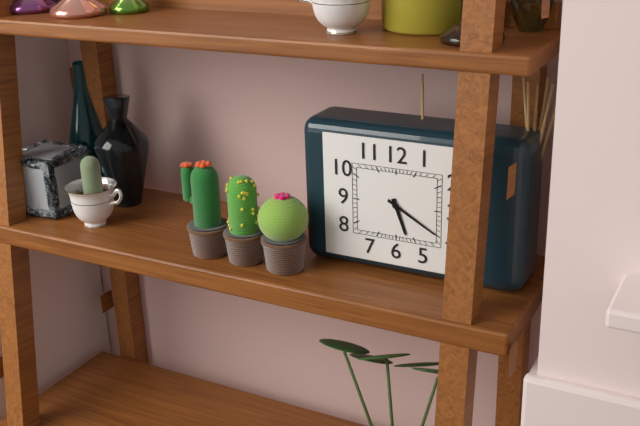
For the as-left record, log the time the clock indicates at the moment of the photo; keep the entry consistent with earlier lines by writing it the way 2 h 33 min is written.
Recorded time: 5 h 20 min
